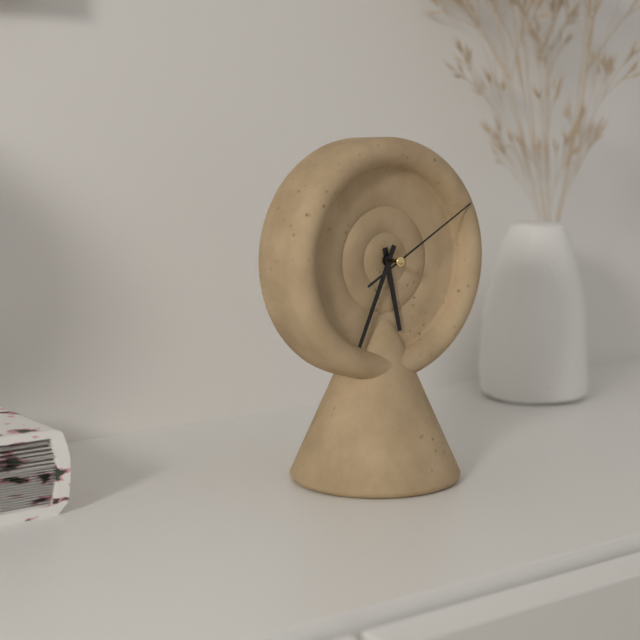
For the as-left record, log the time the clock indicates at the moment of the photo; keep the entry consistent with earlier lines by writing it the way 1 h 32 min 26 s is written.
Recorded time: 5 h 34 min 10 s
